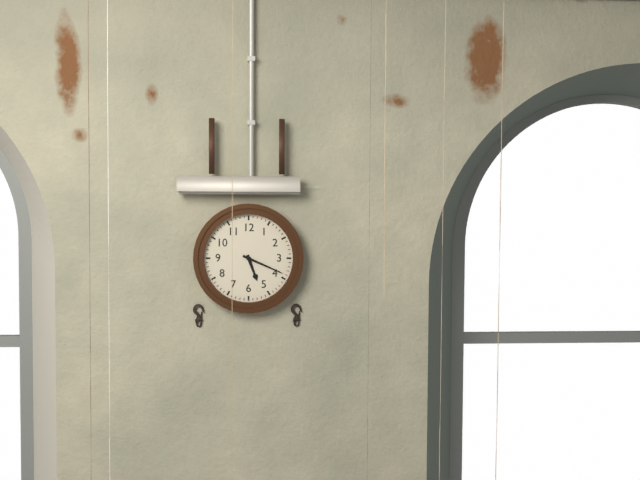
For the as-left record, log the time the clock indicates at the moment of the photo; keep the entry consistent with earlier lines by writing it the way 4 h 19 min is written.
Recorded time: 5 h 19 min
